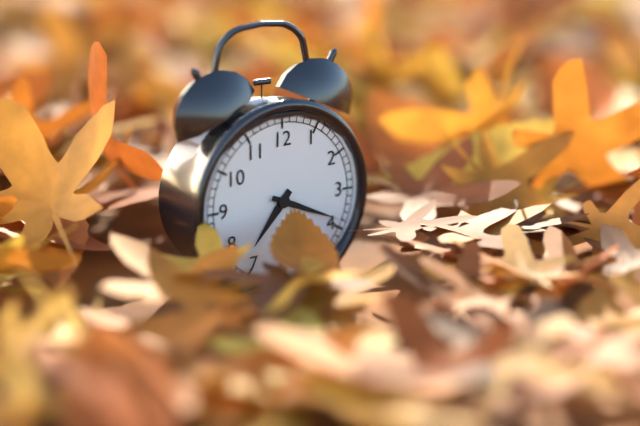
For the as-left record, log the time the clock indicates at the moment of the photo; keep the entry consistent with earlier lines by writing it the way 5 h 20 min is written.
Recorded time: 7 h 19 min
